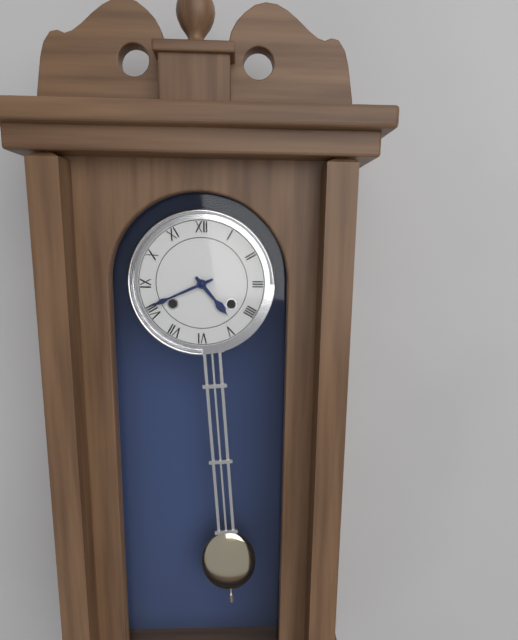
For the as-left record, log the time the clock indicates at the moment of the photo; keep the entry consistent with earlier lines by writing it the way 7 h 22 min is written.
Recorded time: 4 h 41 min
